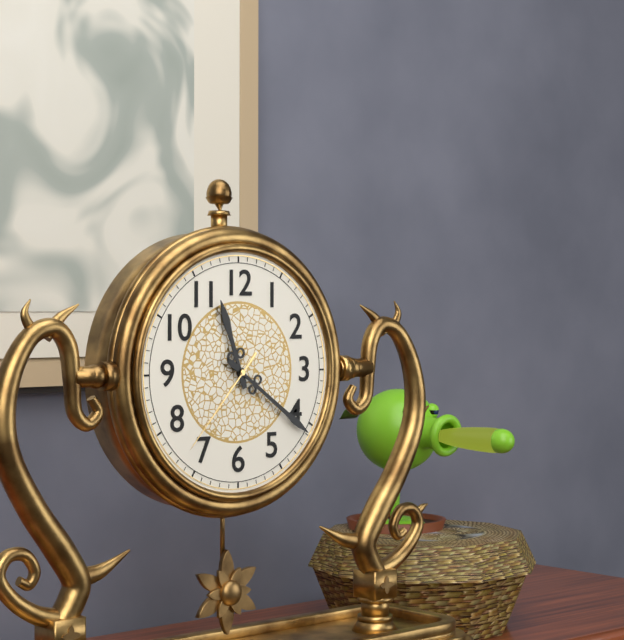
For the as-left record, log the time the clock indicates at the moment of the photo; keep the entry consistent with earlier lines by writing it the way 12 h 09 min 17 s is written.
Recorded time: 11 h 21 min 37 s
